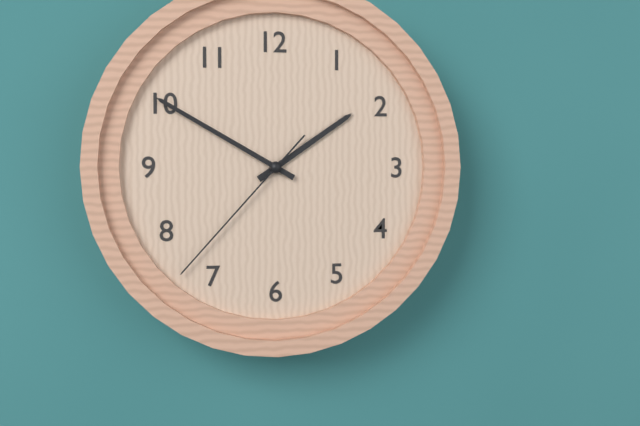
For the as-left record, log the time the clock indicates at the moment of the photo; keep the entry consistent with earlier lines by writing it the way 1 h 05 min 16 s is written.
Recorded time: 1 h 50 min 37 s
